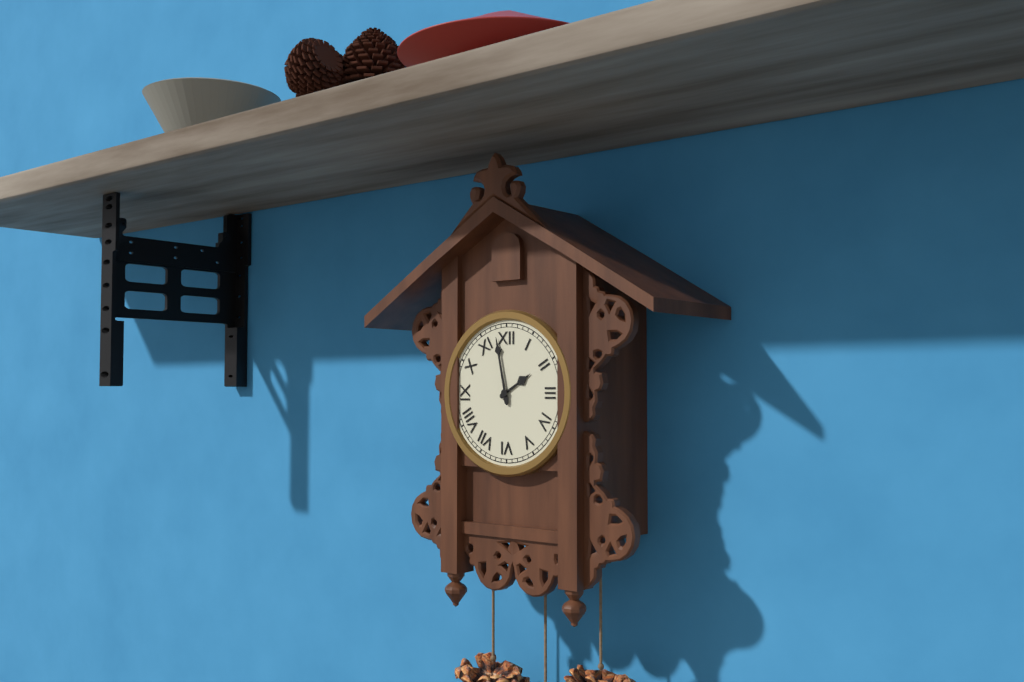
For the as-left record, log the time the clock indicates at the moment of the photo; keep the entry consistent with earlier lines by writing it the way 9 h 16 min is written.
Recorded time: 1 h 58 min
